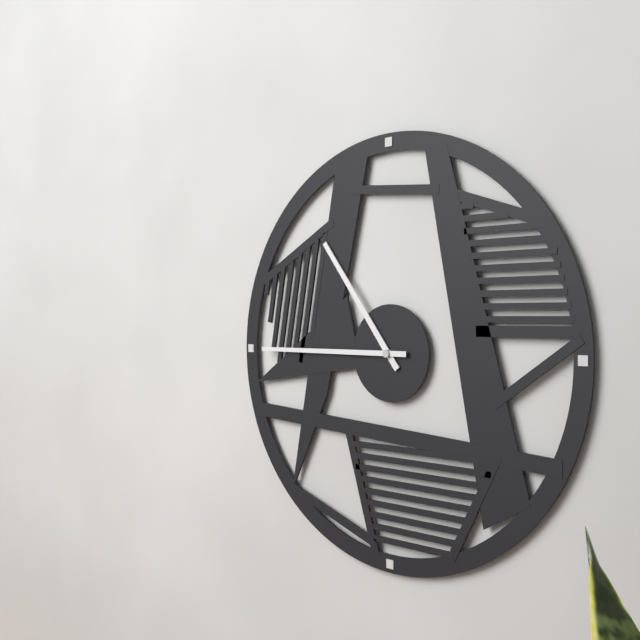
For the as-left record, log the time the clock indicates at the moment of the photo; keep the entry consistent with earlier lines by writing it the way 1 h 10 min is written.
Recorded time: 10 h 45 min
